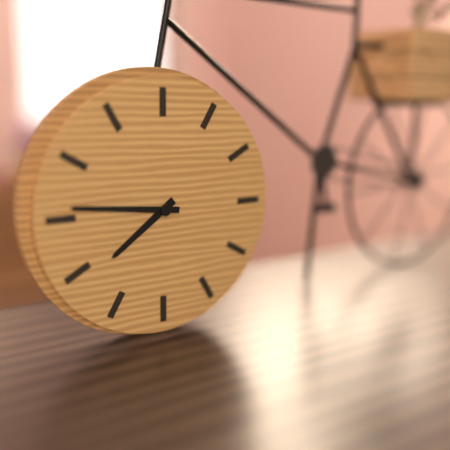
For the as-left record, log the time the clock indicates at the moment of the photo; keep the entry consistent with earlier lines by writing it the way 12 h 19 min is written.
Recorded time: 7 h 46 min
